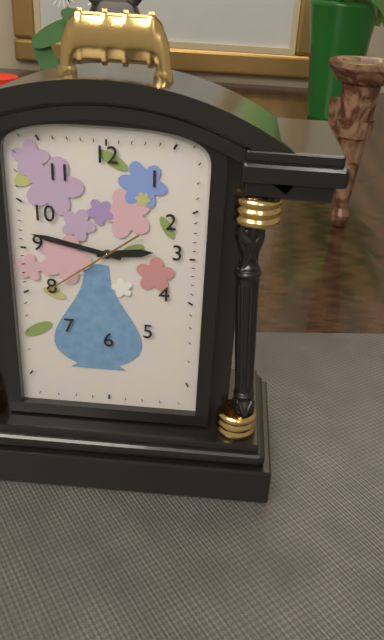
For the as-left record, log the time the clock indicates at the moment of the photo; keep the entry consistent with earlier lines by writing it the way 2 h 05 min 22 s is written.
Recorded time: 2 h 47 min 39 s
